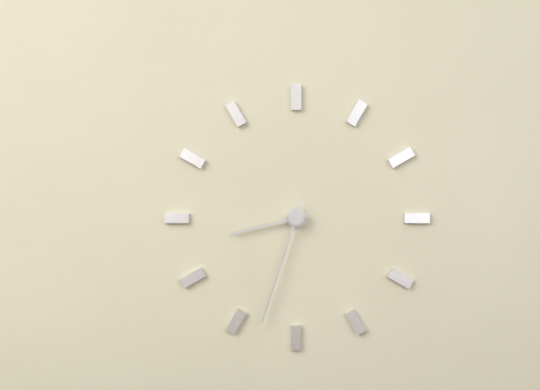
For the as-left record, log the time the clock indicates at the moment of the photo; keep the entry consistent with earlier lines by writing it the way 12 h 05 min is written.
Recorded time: 8 h 33 min
